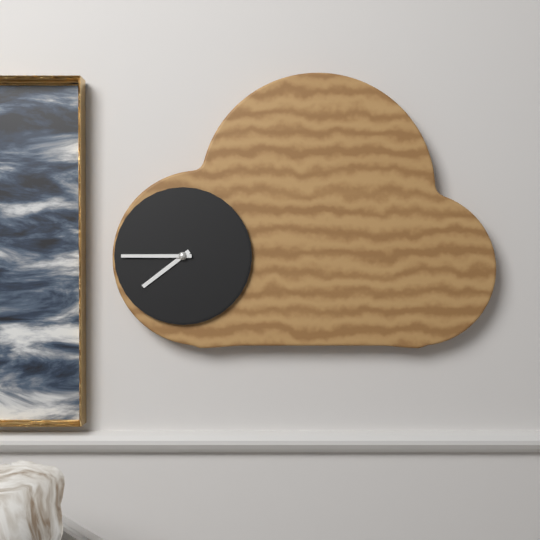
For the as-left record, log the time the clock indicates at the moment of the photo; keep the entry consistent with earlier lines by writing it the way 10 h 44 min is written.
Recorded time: 7 h 45 min
